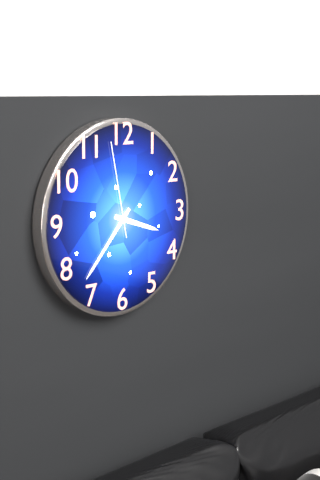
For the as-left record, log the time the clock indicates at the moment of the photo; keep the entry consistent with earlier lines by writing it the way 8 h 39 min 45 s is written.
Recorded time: 3 h 37 min 58 s
